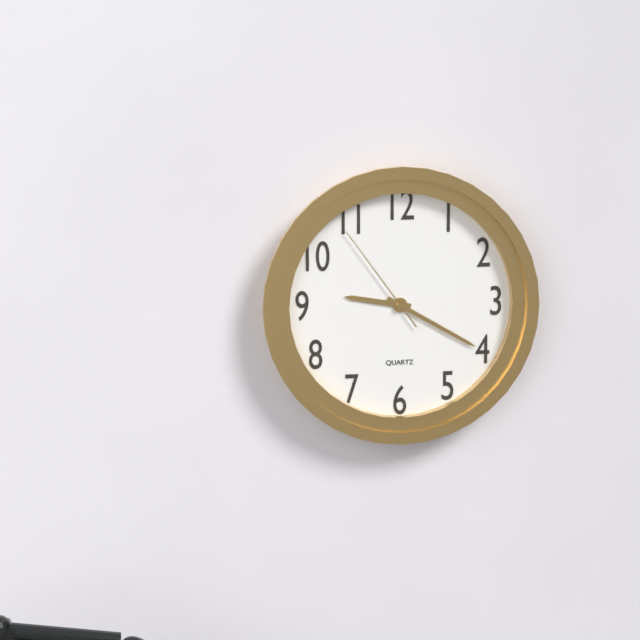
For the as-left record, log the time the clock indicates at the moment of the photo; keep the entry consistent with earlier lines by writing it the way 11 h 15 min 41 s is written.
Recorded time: 9 h 20 min 54 s
